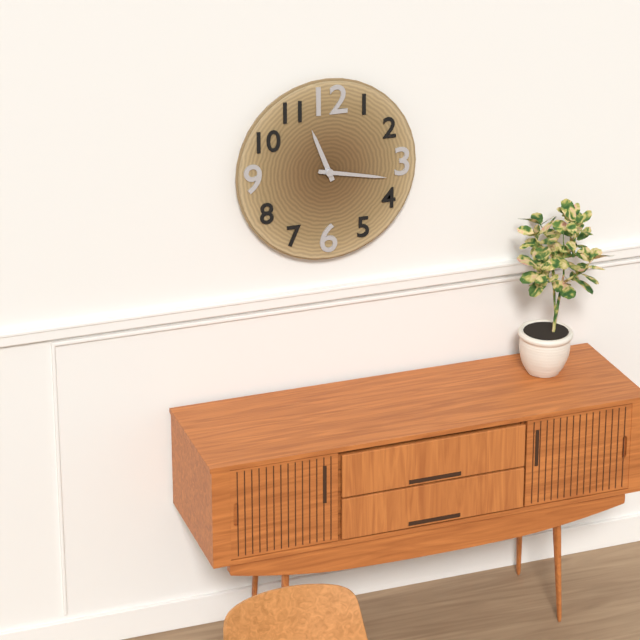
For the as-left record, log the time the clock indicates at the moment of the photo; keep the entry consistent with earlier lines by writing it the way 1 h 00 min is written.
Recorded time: 11 h 17 min
